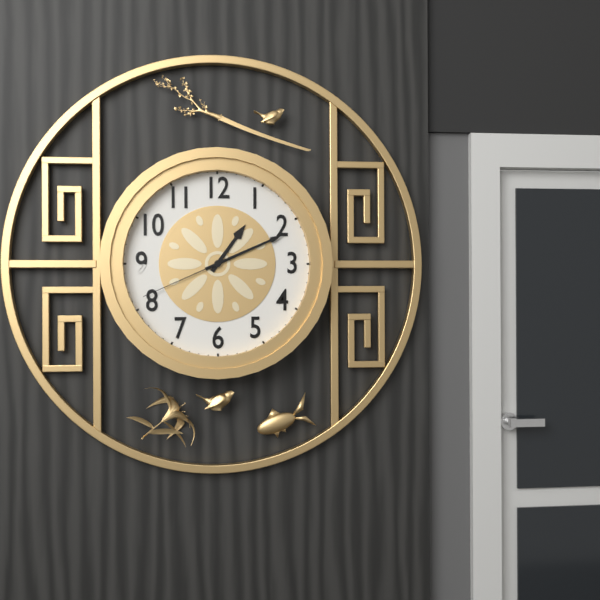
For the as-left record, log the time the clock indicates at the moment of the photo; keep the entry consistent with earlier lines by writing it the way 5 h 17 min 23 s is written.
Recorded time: 1 h 11 min 41 s
